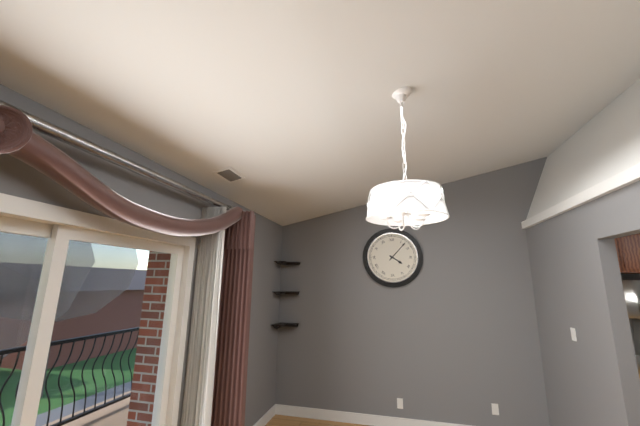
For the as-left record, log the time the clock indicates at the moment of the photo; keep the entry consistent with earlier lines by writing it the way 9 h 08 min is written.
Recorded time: 4 h 07 min
